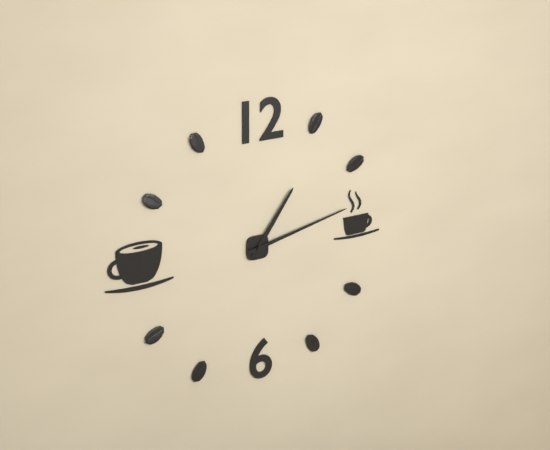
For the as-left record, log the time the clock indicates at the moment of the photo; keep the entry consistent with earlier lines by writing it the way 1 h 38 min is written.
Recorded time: 1 h 13 min
